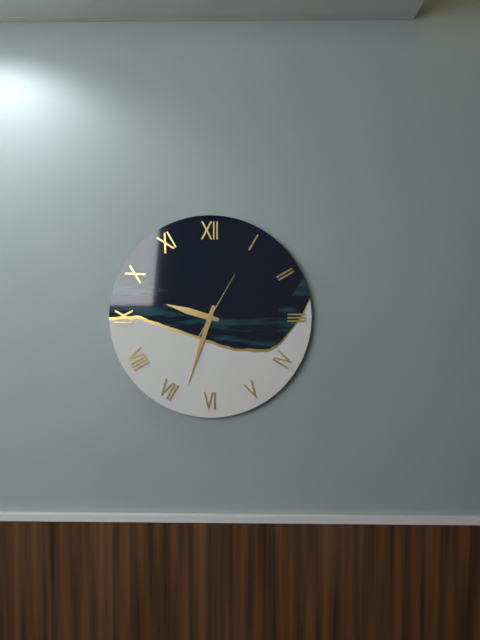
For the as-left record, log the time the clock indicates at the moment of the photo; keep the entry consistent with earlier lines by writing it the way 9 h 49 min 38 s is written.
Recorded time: 9 h 33 min 05 s
